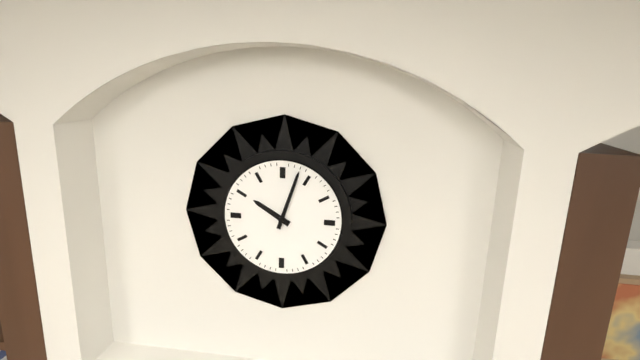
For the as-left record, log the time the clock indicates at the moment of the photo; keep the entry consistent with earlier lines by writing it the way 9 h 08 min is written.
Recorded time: 10 h 03 min
